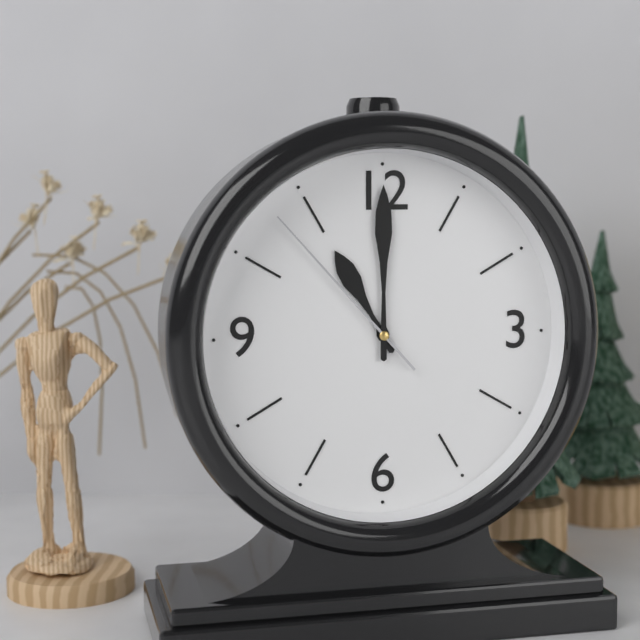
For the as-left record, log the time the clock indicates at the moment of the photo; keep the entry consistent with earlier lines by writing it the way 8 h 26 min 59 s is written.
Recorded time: 11 h 00 min 53 s
